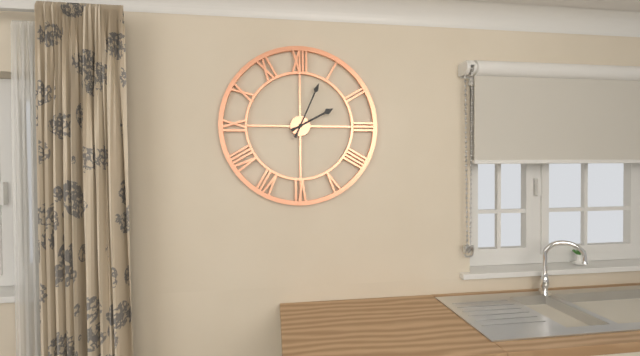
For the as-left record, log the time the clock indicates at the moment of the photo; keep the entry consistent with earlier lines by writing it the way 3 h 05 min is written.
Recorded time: 2 h 04 min
